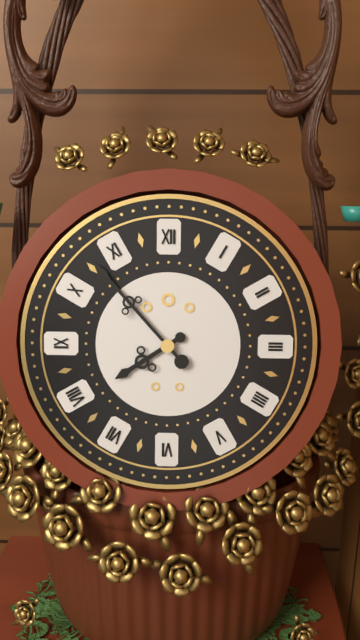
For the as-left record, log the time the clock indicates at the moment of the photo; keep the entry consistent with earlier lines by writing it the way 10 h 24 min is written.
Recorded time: 7 h 53 min
